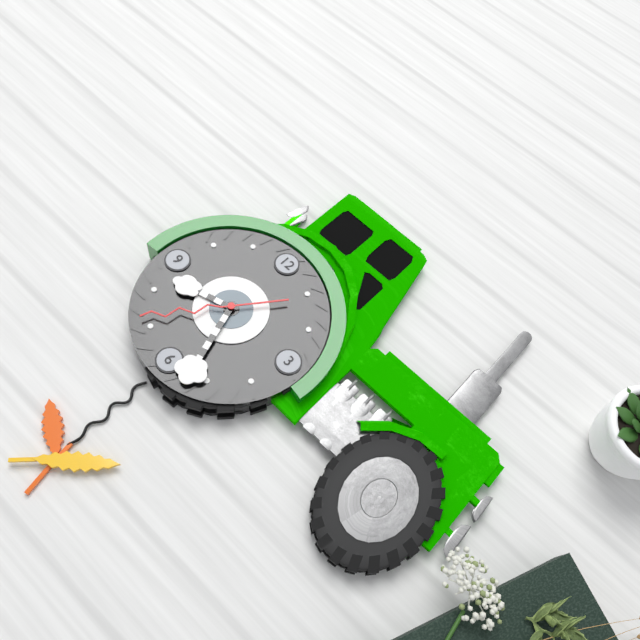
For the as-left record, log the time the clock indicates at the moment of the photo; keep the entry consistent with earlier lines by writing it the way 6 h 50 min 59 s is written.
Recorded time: 8 h 27 min 36 s
